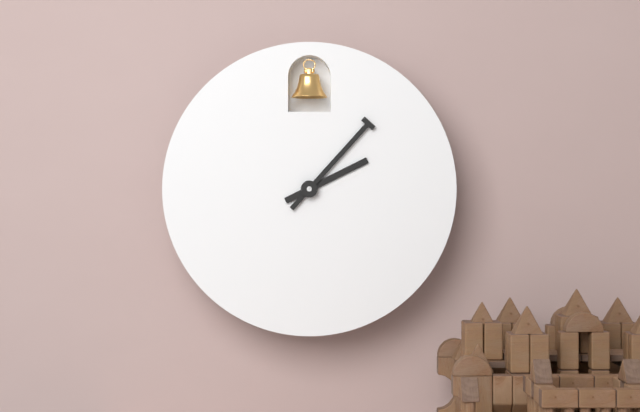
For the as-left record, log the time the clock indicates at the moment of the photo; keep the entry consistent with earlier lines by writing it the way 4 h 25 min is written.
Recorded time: 2 h 07 min
